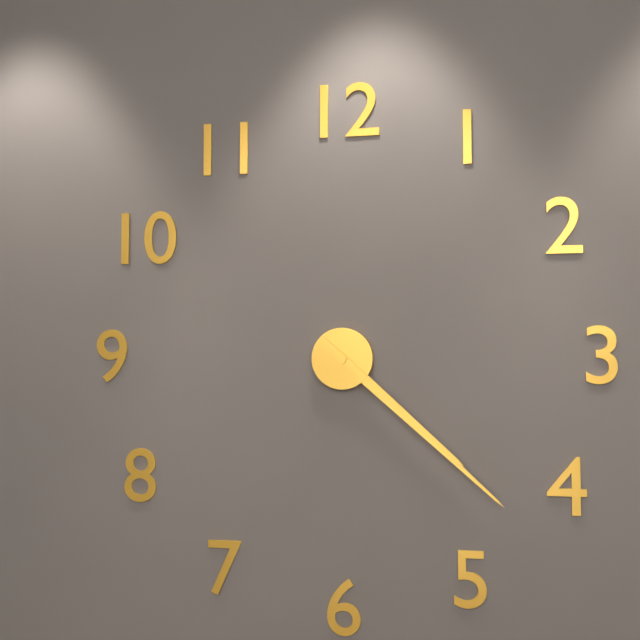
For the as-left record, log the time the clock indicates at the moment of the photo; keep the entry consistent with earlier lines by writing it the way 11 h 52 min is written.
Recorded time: 4 h 22 min
